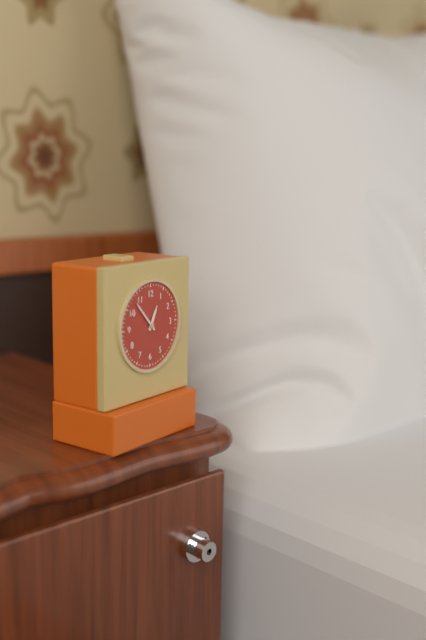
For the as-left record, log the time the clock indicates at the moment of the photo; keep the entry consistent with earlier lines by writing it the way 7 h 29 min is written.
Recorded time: 12 h 53 min
